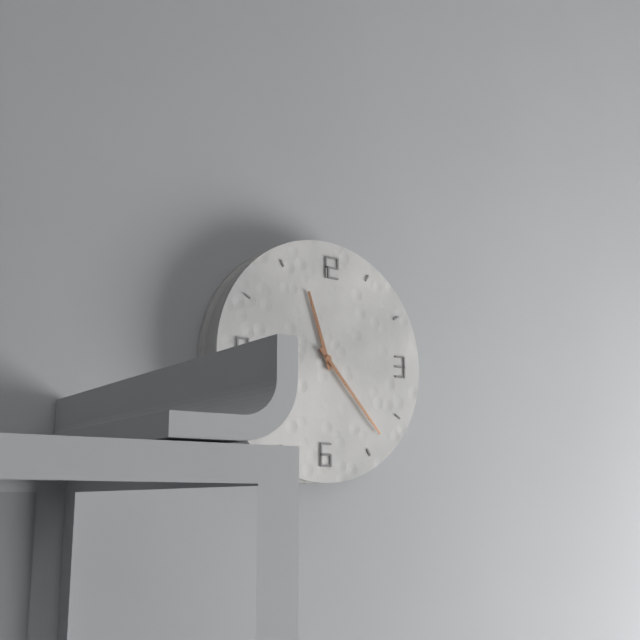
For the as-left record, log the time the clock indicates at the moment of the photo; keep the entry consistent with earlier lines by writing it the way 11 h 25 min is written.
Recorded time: 11 h 23 min
